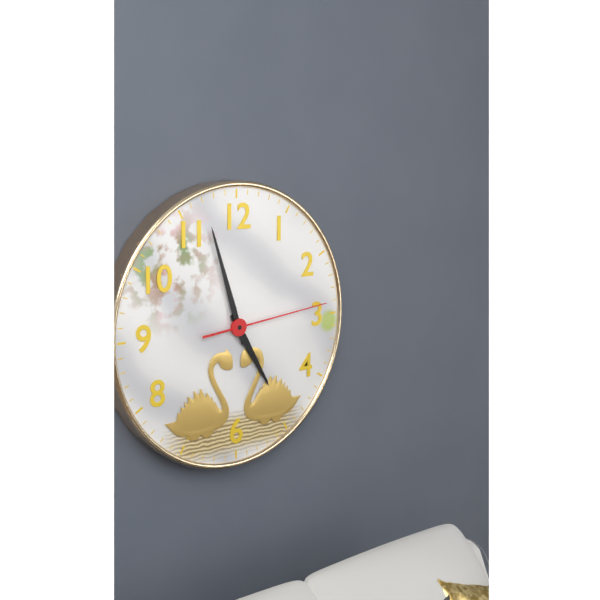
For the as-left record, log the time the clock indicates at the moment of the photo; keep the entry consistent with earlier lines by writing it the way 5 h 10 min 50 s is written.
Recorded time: 4 h 57 min 14 s
